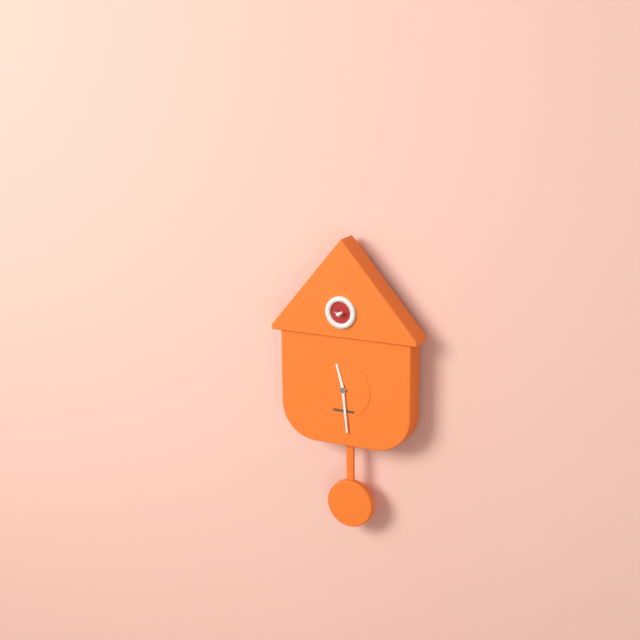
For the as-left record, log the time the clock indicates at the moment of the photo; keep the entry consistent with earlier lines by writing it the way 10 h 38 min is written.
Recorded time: 11 h 29 min
